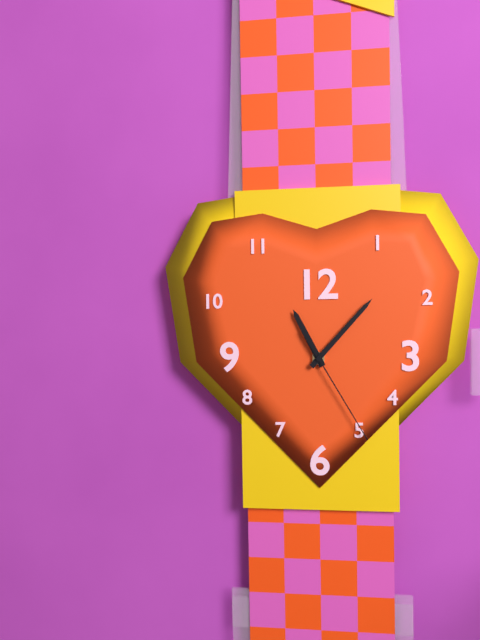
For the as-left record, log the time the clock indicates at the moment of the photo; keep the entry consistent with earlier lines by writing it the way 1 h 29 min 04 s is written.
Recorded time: 11 h 07 min 25 s
